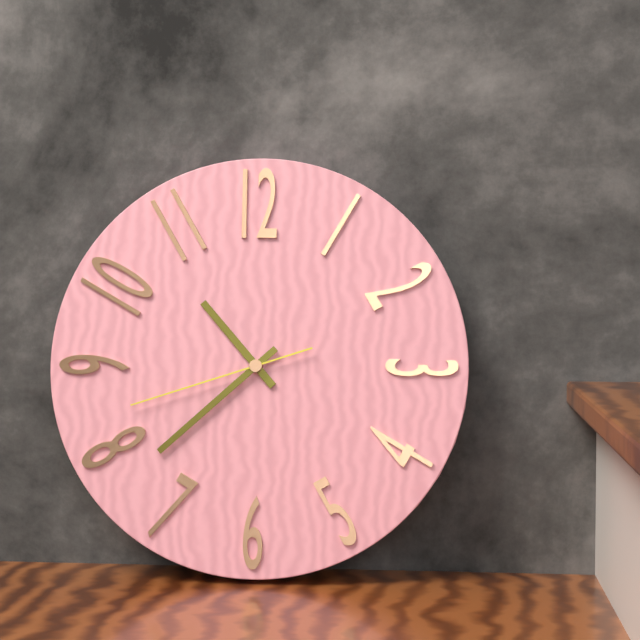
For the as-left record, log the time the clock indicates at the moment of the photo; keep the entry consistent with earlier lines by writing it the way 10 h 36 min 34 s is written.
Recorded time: 10 h 38 min 42 s
